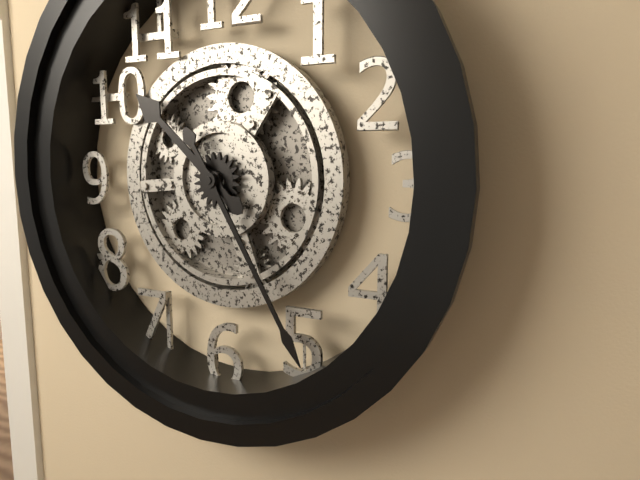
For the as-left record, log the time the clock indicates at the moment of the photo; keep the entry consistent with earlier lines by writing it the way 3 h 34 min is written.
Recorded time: 10 h 25 min
